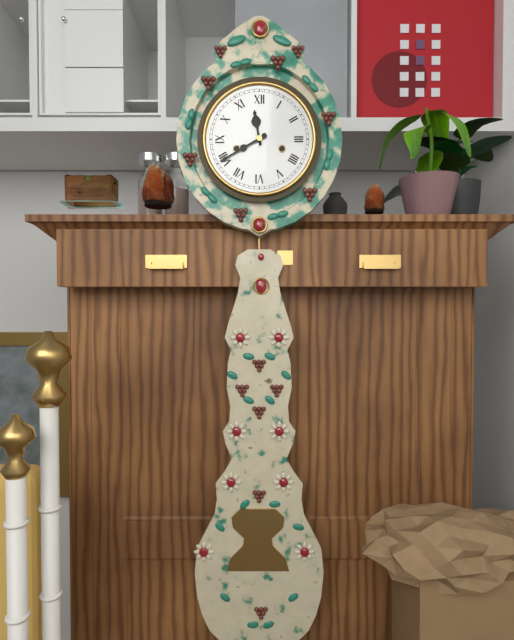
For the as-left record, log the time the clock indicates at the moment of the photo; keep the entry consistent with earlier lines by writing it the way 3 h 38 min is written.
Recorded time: 11 h 40 min
